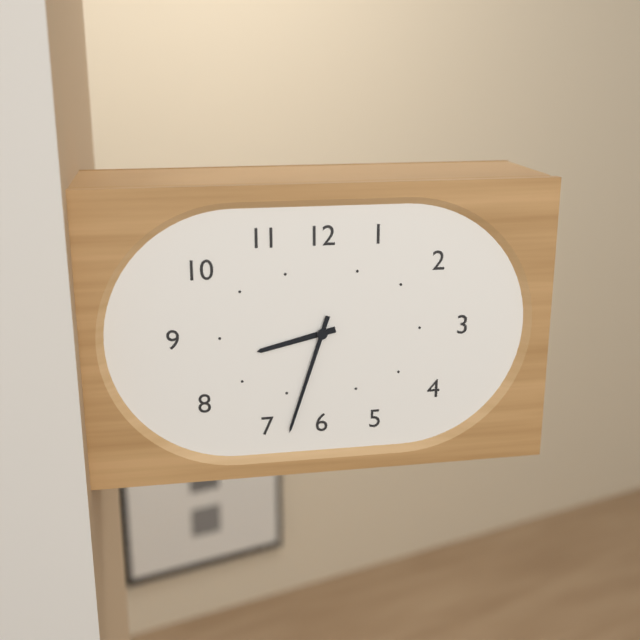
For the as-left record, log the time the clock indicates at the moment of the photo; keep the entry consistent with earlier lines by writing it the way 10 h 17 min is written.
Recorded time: 8 h 33 min
